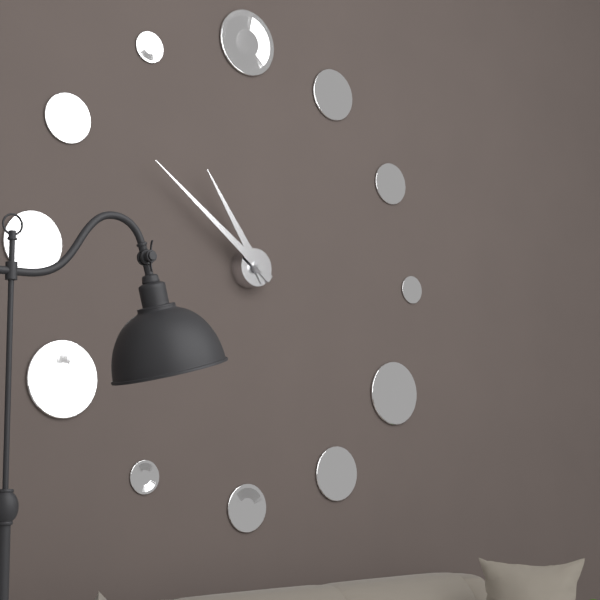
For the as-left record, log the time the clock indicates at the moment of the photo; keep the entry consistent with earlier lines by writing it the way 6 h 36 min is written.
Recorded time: 10 h 51 min
